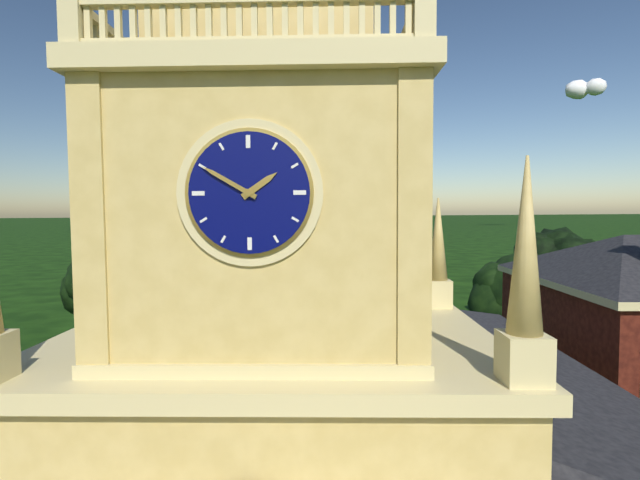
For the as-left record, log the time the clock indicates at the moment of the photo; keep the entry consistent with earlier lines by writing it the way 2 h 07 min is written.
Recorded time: 1 h 50 min
